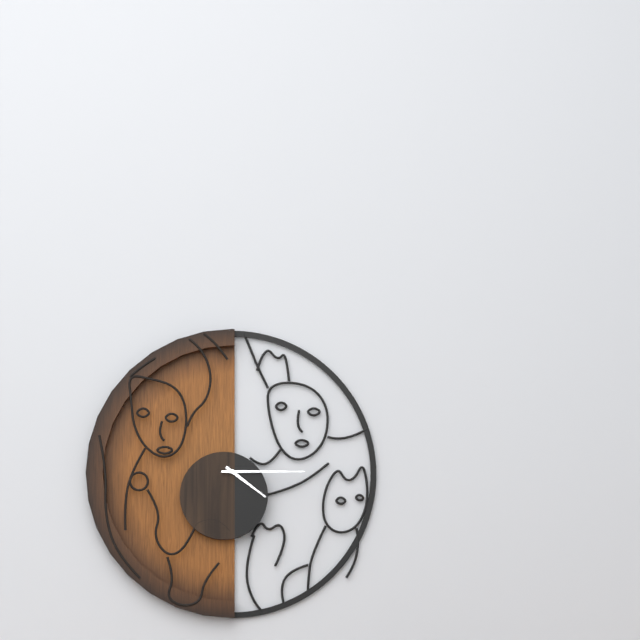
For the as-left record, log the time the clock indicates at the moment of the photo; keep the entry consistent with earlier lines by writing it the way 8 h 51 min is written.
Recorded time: 4 h 15 min
